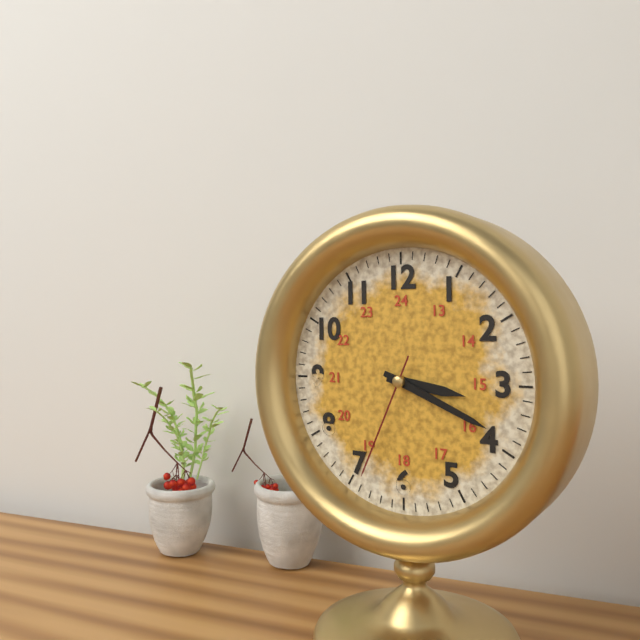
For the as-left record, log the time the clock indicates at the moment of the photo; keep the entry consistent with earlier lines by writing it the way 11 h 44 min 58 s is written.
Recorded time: 3 h 19 min 34 s
